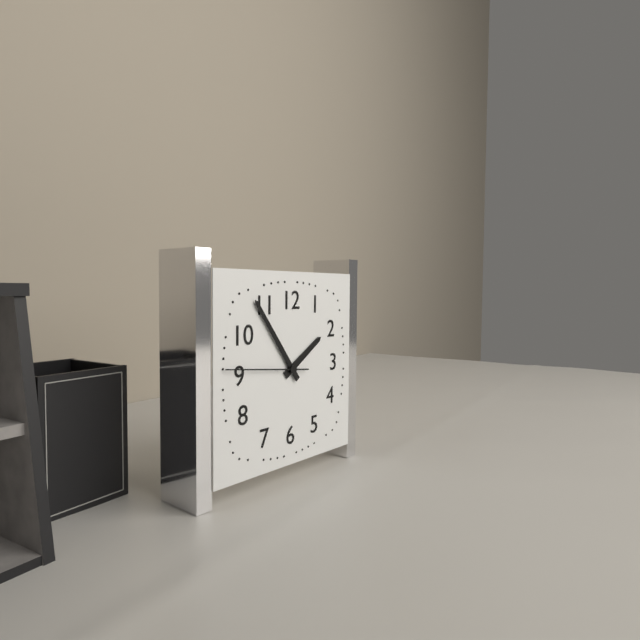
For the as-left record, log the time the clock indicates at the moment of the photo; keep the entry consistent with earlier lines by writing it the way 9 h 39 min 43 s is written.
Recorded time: 1 h 54 min 46 s
